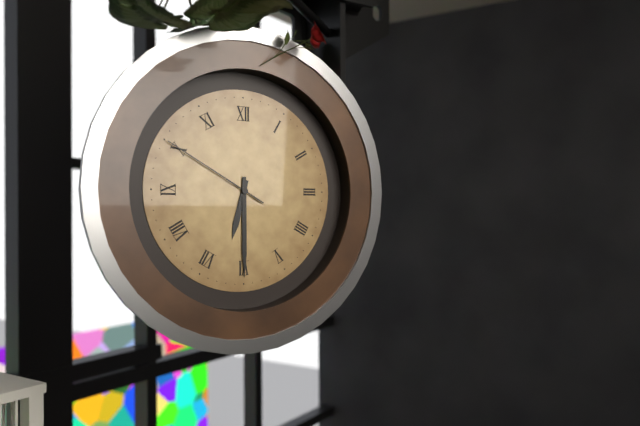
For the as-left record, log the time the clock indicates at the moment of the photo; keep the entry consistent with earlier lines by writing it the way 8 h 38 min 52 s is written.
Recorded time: 6 h 30 min 50 s
